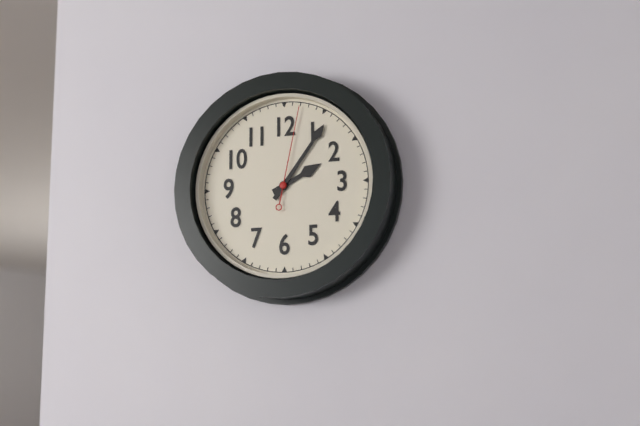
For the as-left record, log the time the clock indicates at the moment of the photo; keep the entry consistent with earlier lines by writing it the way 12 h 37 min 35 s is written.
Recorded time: 2 h 06 min 02 s
